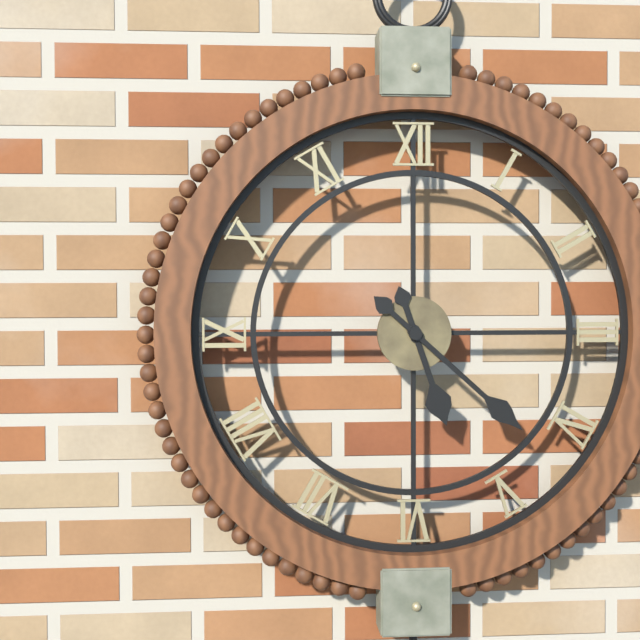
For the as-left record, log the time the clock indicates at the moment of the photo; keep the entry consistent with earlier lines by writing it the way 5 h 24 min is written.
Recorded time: 5 h 22 min
